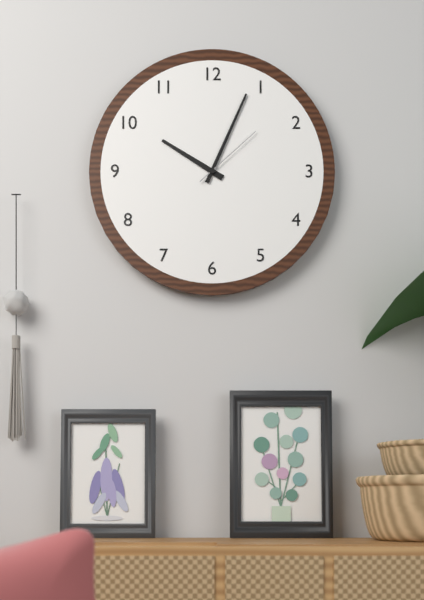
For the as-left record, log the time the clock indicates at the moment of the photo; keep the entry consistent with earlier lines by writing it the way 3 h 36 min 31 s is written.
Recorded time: 10 h 04 min 08 s
